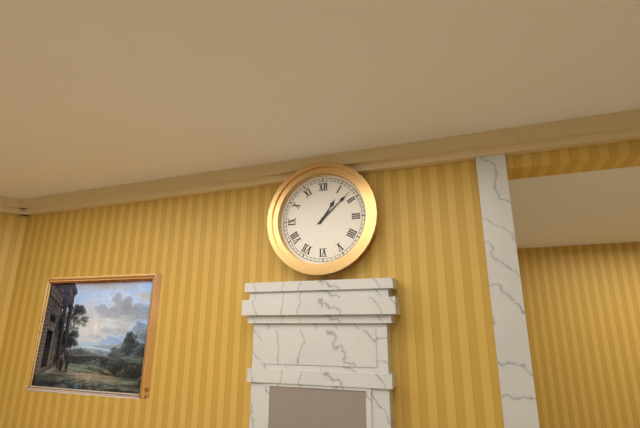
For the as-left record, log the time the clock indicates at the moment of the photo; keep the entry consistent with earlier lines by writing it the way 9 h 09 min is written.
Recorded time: 1 h 08 min
